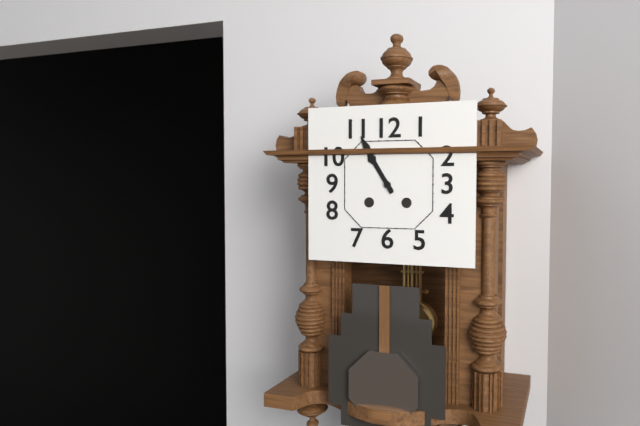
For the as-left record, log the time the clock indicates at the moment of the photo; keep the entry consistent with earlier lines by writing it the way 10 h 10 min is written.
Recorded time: 10 h 55 min
